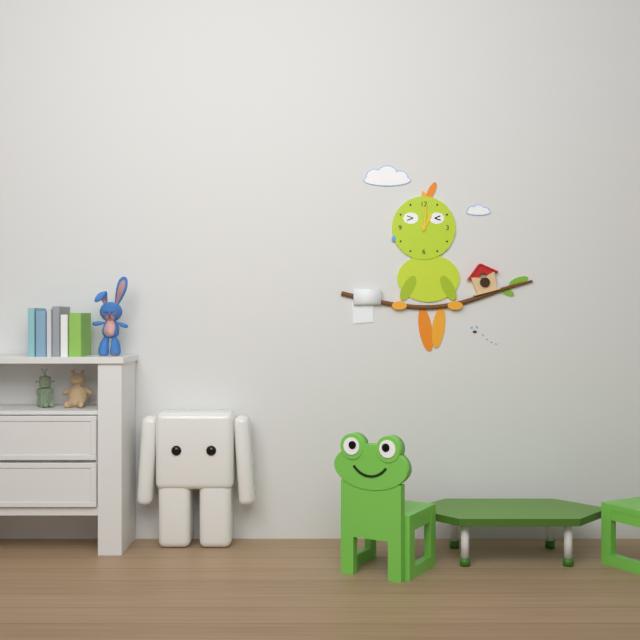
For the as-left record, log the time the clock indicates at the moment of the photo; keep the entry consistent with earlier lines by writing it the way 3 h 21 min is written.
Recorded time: 1 h 01 min
